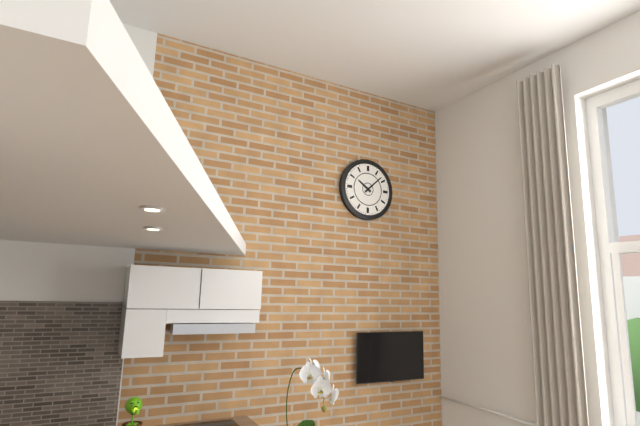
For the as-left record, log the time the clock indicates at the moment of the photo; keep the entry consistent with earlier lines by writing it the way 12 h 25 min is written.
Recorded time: 10 h 08 min
